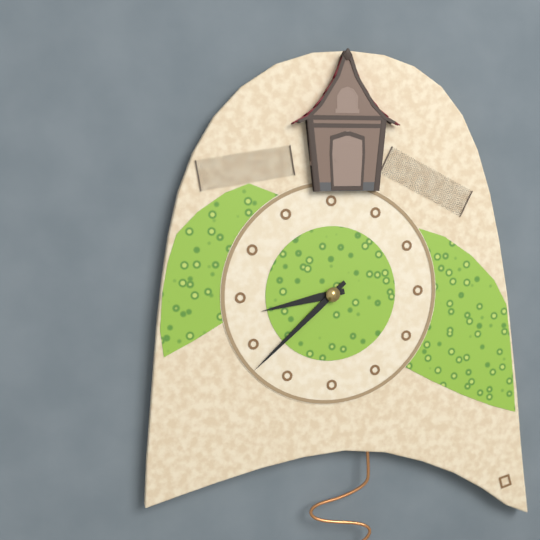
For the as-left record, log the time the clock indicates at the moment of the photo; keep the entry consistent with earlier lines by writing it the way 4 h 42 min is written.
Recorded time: 8 h 38 min
